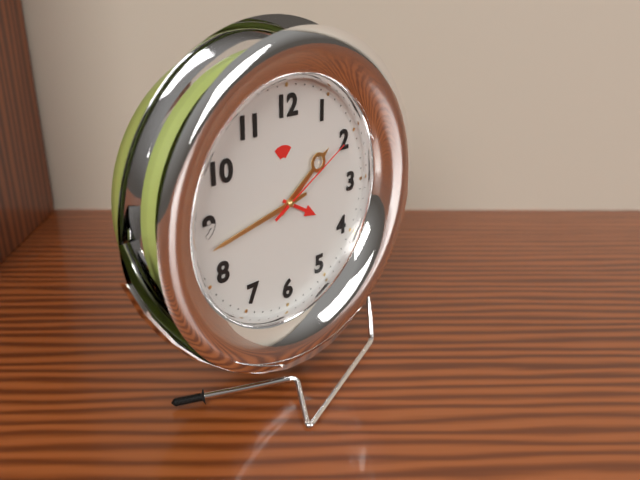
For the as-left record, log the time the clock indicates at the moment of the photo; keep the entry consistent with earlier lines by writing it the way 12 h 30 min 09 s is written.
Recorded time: 1 h 43 min 10 s
